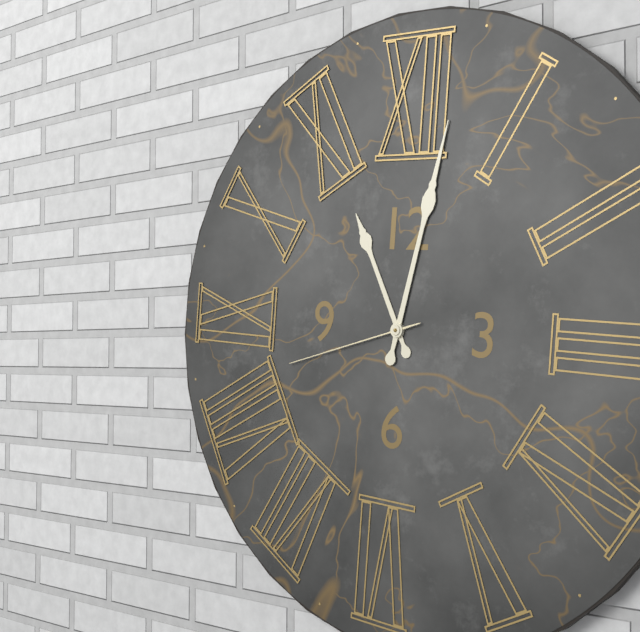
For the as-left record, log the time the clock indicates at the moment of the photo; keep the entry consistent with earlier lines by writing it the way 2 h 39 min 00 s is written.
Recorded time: 11 h 02 min 42 s
